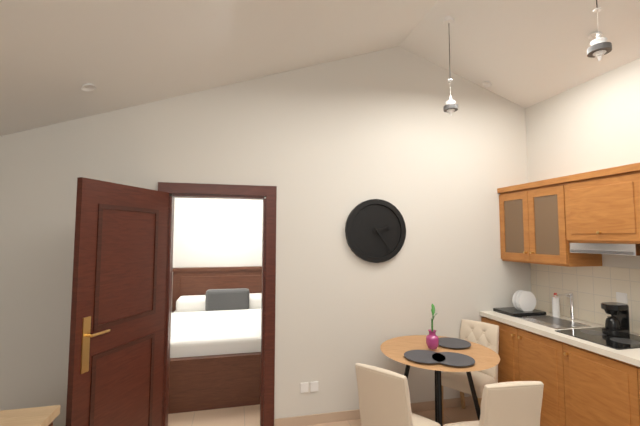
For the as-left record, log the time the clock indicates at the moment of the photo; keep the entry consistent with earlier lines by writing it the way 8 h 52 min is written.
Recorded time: 2 h 24 min
